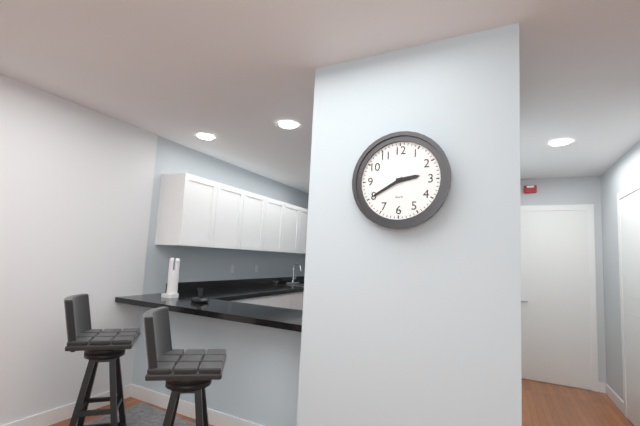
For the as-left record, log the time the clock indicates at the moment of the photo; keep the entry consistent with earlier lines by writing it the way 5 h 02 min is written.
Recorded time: 2 h 40 min
